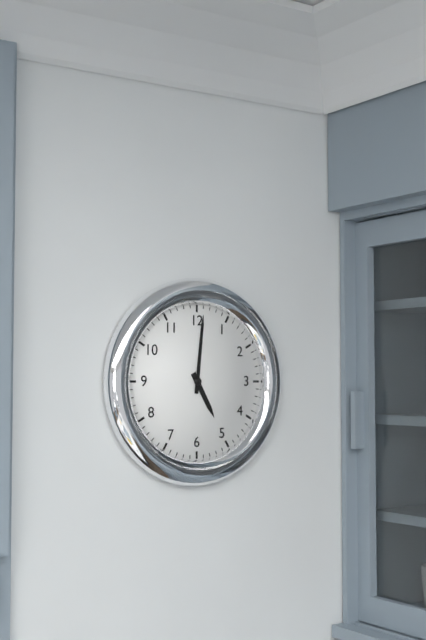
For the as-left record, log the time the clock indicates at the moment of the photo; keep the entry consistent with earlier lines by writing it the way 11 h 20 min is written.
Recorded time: 5 h 01 min
